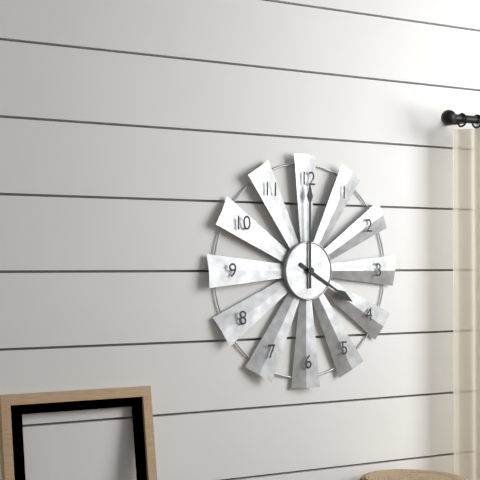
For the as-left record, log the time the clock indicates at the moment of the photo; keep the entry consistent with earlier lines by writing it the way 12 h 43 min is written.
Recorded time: 4 h 00 min
